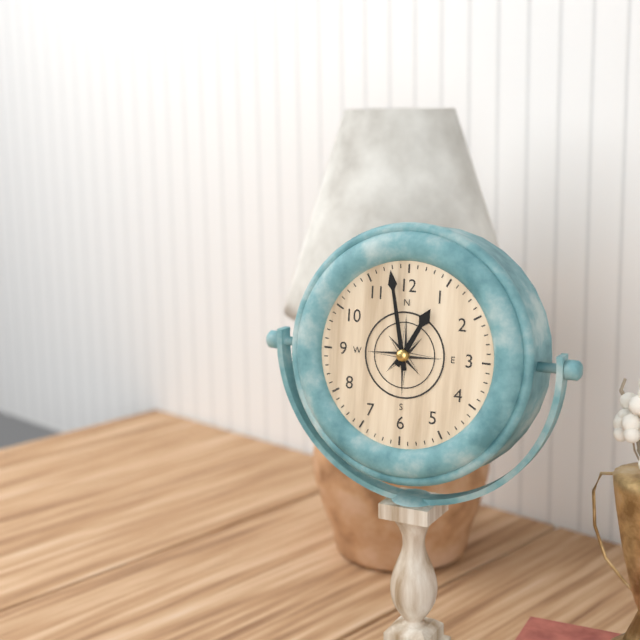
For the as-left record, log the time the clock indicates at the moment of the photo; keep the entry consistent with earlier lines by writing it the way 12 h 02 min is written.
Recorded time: 12 h 58 min
